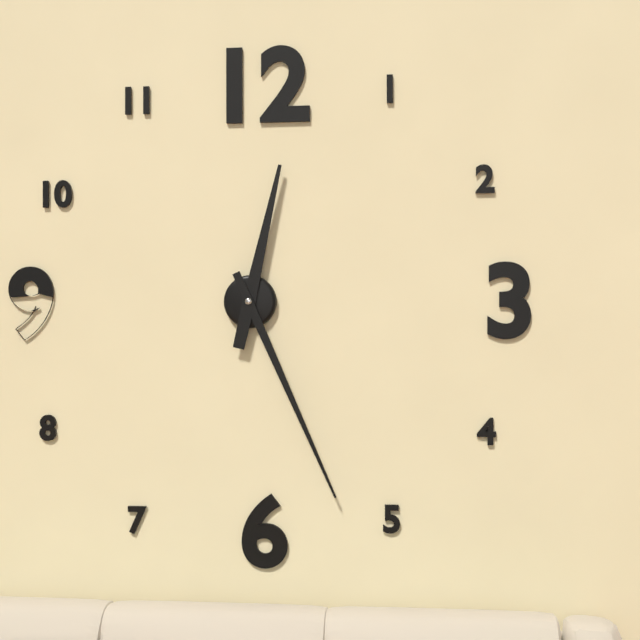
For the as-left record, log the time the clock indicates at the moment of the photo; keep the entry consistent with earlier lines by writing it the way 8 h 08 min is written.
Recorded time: 12 h 26 min
